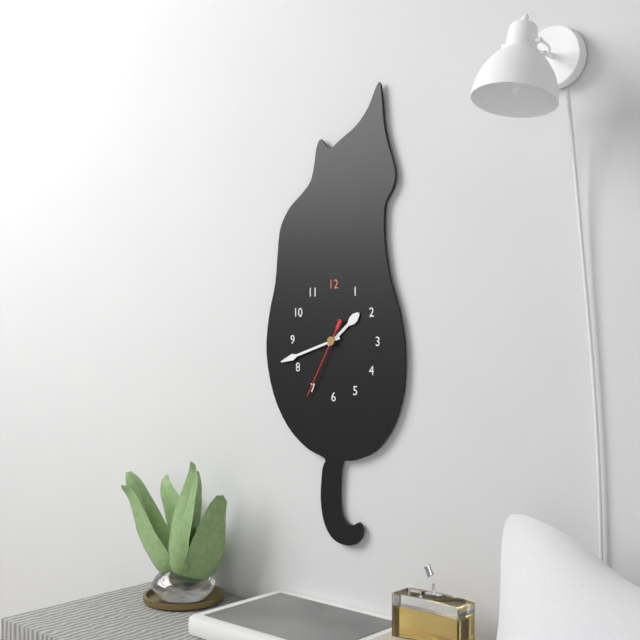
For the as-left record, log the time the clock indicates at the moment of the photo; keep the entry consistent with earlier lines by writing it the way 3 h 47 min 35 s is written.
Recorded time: 1 h 42 min 35 s
